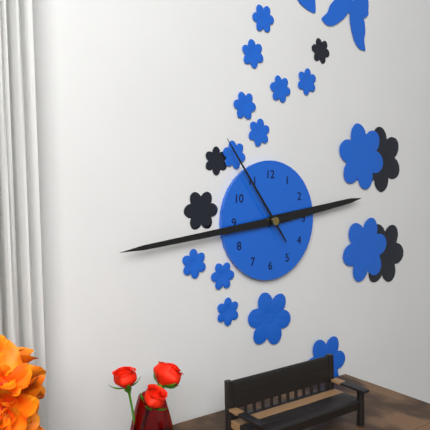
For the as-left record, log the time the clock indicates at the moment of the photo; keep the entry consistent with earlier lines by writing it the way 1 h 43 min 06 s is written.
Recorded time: 2 h 44 min 54 s
